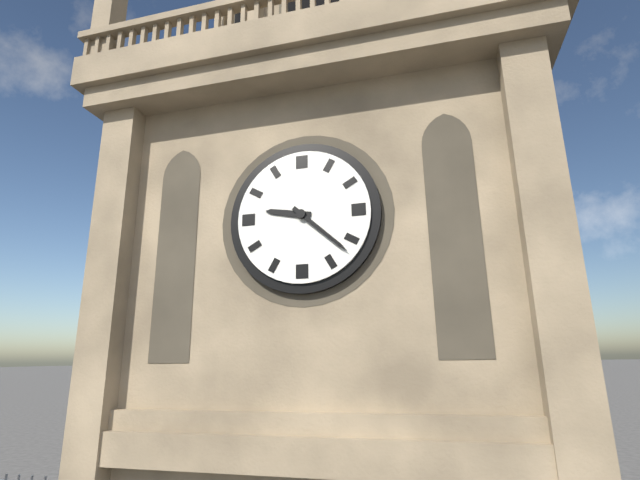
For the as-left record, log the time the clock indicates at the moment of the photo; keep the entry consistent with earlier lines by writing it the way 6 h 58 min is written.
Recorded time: 9 h 22 min
